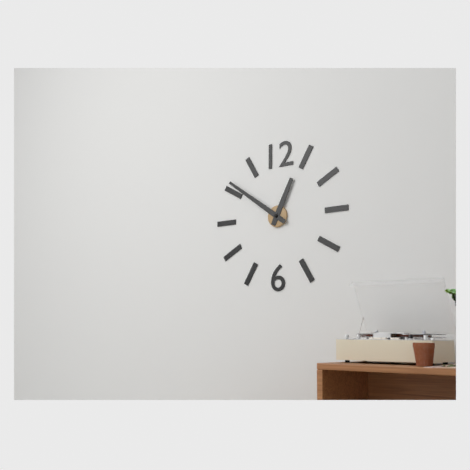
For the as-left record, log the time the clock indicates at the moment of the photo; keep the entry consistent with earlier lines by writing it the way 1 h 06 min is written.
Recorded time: 12 h 51 min
